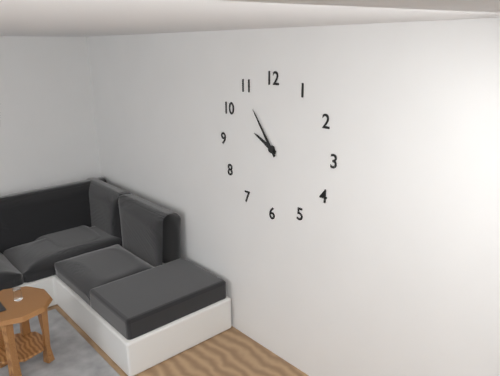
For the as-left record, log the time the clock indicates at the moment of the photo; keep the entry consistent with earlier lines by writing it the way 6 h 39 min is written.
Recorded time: 9 h 54 min
